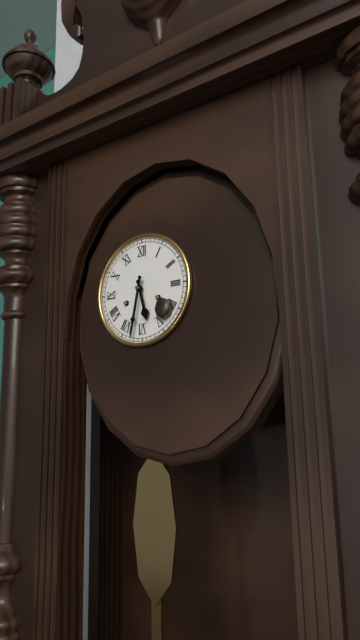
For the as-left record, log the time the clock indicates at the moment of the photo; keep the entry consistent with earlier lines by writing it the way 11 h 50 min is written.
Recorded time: 5 h 32 min
